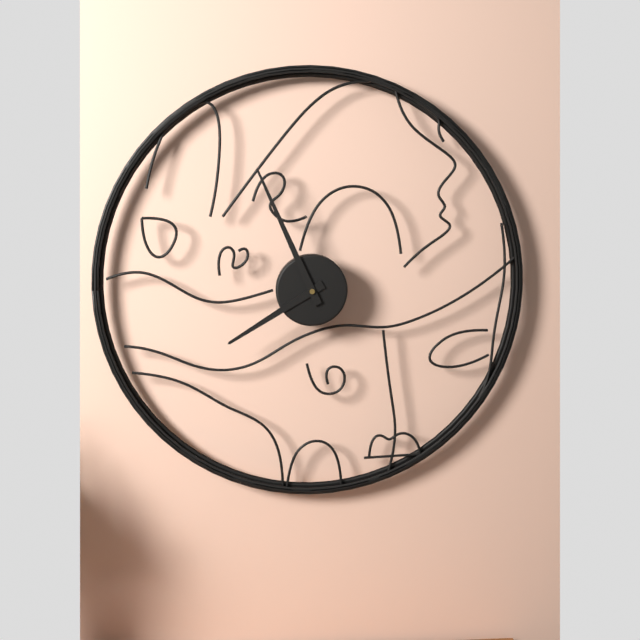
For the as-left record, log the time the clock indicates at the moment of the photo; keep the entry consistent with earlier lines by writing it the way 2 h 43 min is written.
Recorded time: 7 h 56 min
